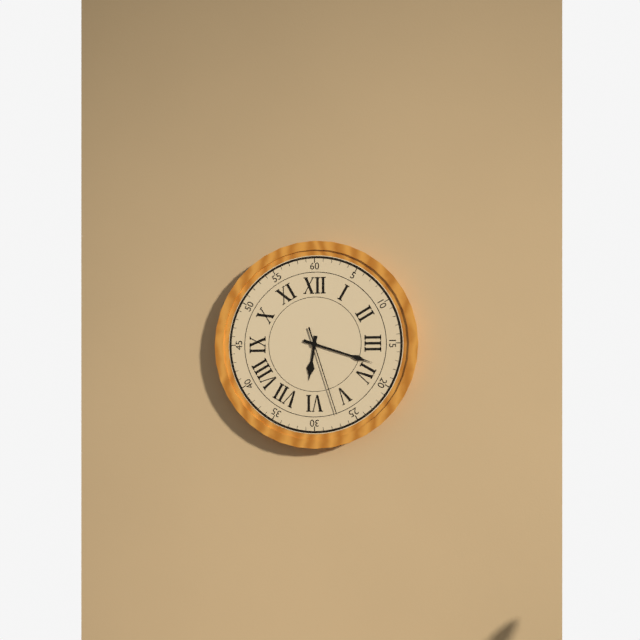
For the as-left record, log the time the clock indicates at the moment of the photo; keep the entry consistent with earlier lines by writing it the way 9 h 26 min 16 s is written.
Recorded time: 6 h 18 min 27 s
